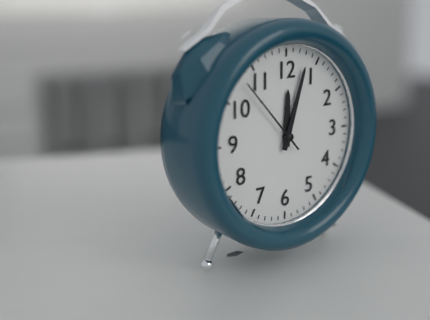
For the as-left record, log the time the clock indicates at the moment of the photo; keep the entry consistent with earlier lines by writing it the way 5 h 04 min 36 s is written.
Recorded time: 12 h 03 min 53 s
